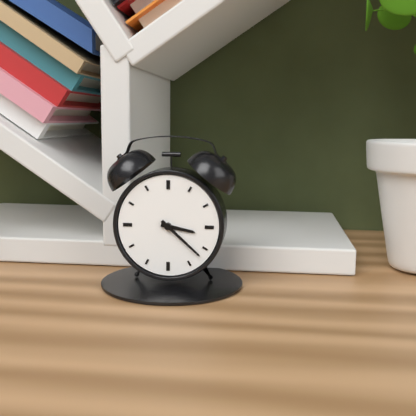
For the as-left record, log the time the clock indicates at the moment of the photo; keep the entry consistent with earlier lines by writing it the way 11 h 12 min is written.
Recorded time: 3 h 22 min
